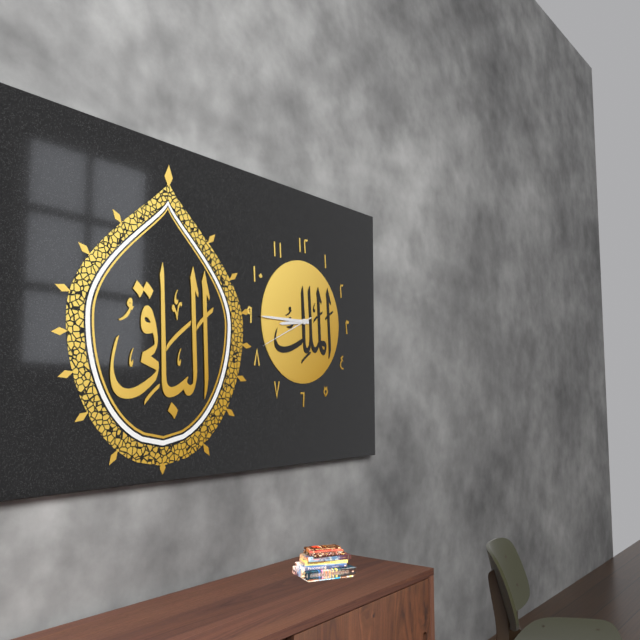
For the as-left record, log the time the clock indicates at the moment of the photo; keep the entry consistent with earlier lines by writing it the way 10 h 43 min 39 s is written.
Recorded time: 8 h 45 min 41 s
